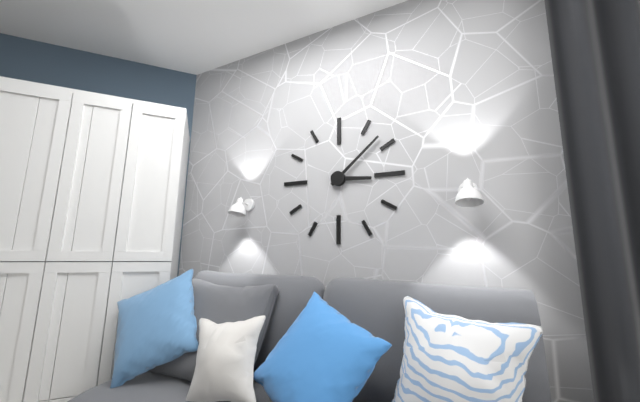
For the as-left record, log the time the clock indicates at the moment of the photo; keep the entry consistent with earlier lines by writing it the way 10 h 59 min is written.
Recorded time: 3 h 08 min
